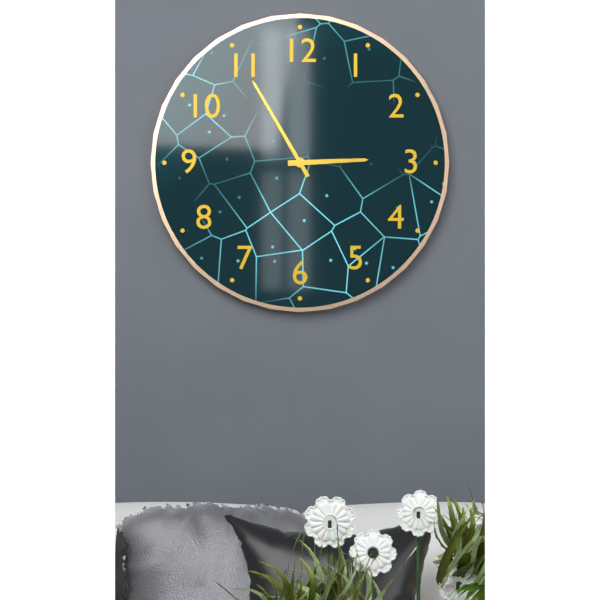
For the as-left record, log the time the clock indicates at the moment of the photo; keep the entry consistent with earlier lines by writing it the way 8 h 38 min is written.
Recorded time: 2 h 55 min
